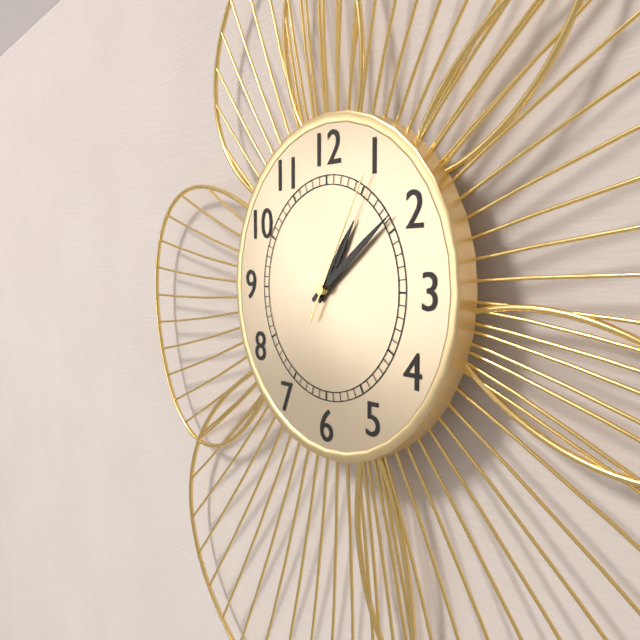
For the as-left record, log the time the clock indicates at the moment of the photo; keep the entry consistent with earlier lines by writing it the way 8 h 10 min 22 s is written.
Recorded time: 1 h 09 min 05 s
